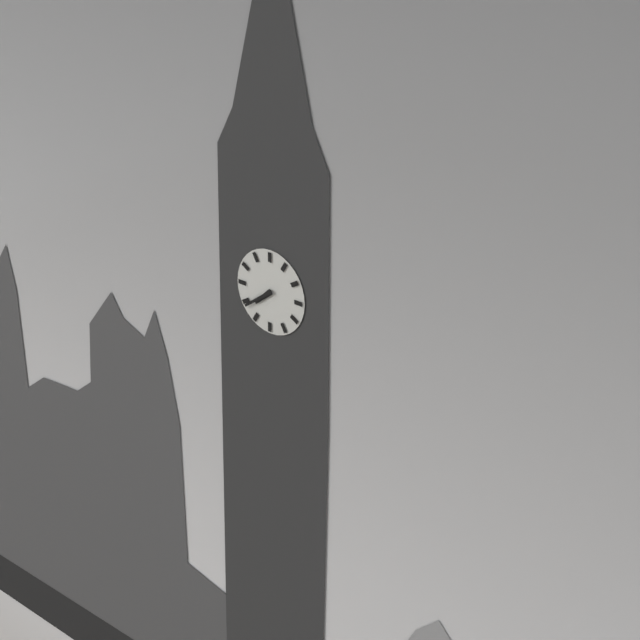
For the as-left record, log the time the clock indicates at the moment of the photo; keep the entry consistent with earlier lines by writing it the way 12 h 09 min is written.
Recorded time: 7 h 39 min
